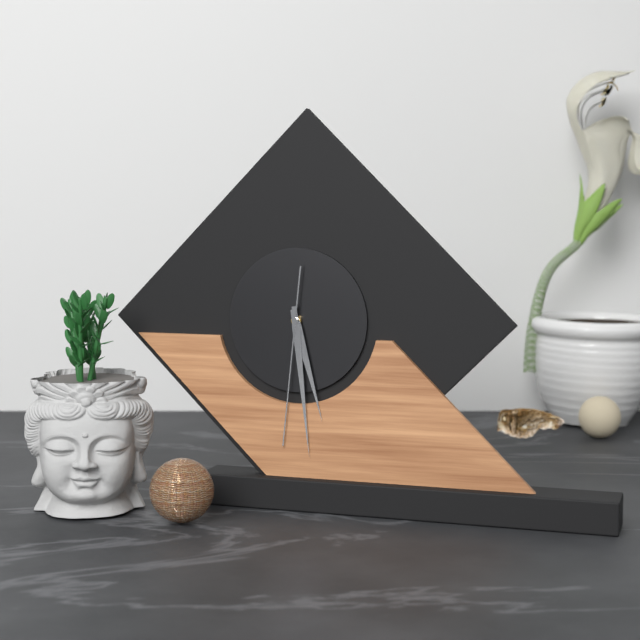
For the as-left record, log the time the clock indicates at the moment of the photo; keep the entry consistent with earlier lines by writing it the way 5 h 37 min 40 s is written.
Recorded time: 5 h 29 min 31 s
